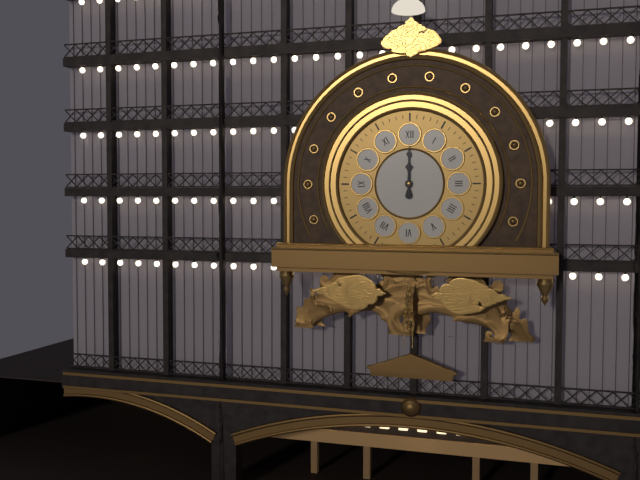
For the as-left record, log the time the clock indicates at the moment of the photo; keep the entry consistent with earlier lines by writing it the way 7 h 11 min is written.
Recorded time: 12 h 00 min
